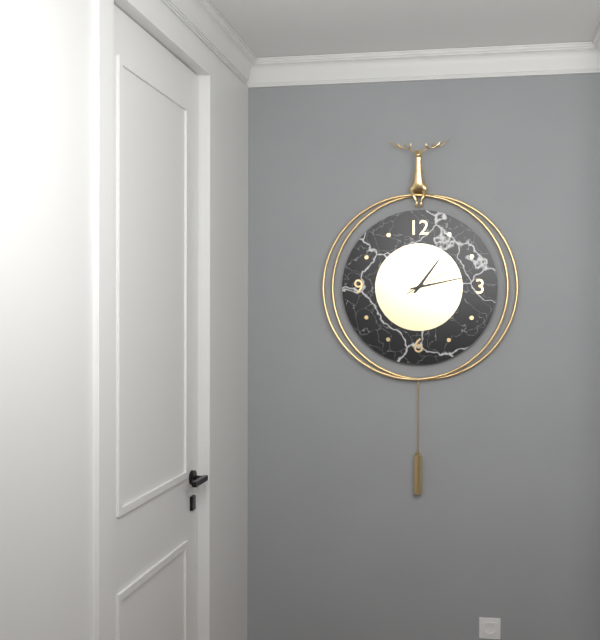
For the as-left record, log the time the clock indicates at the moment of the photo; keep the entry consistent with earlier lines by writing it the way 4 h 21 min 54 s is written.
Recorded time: 1 h 13 min 10 s
